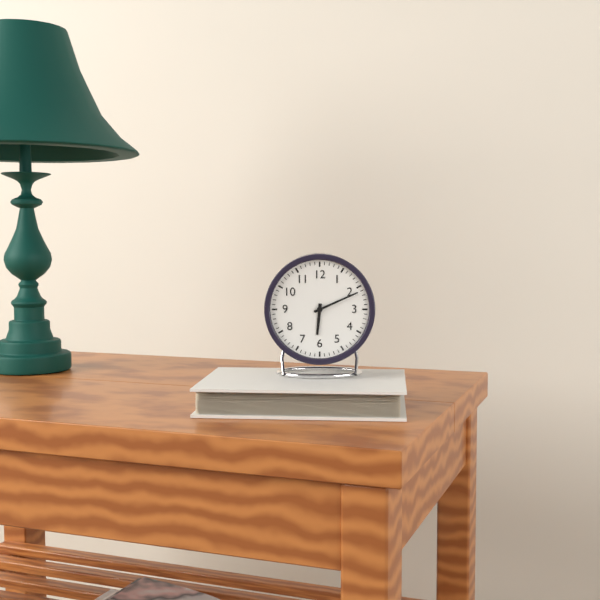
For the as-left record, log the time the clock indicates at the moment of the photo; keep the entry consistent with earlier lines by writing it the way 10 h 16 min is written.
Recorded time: 6 h 11 min
